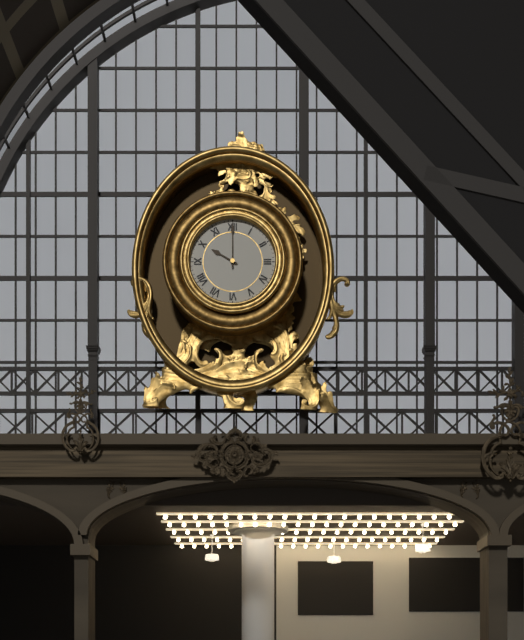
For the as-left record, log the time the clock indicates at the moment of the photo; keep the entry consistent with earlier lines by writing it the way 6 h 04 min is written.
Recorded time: 10 h 00 min
